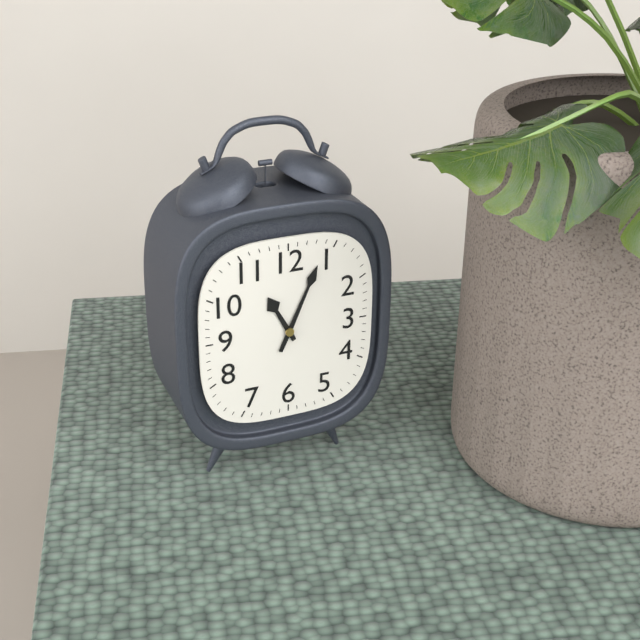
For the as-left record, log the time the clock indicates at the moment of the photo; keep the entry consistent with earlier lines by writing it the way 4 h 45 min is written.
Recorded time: 11 h 04 min
